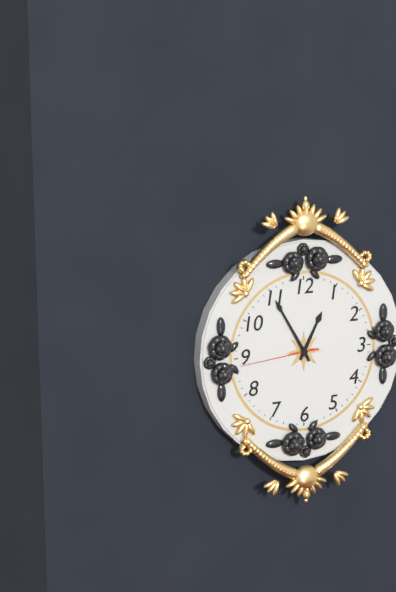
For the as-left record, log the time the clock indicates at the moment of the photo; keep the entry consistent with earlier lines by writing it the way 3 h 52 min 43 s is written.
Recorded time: 12 h 55 min 44 s
